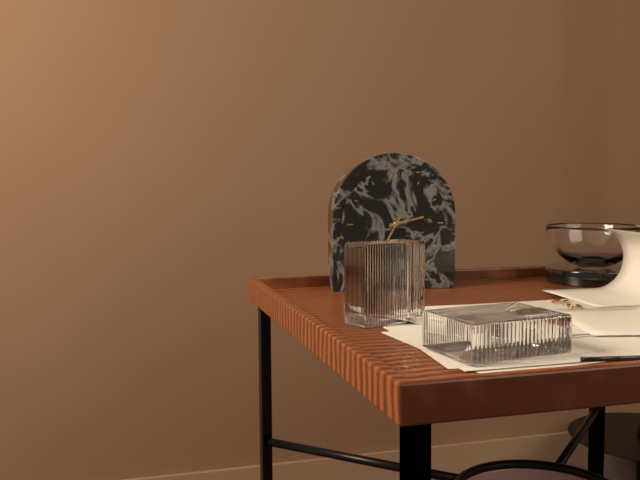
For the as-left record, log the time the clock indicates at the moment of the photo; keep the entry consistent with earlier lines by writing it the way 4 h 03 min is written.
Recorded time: 2 h 35 min
